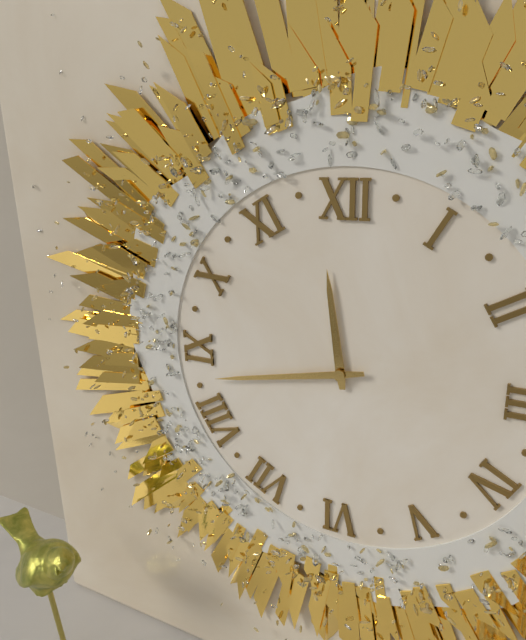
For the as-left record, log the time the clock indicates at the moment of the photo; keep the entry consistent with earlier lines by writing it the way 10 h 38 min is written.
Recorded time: 11 h 43 min
